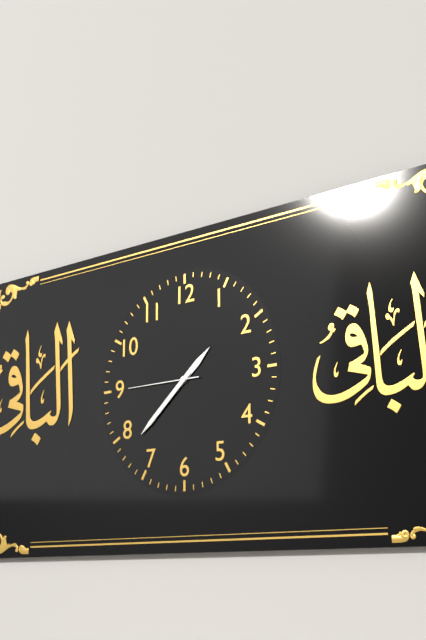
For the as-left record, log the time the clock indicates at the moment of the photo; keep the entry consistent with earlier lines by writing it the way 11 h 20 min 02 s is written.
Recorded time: 1 h 38 min 45 s
